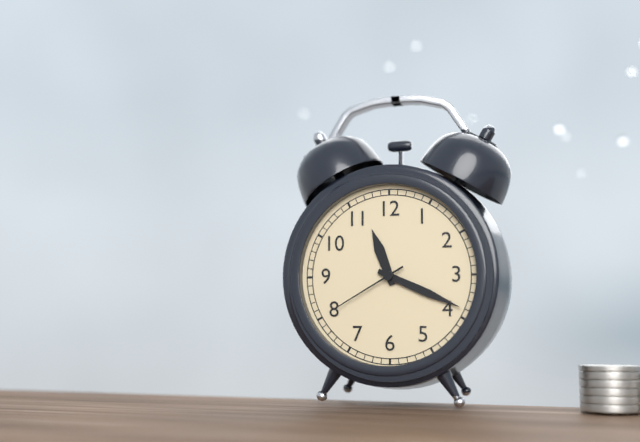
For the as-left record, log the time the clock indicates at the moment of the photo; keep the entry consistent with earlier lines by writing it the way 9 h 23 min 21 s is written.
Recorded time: 11 h 19 min 40 s
